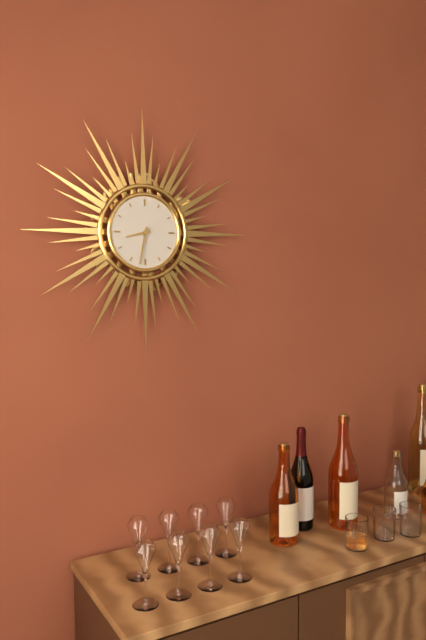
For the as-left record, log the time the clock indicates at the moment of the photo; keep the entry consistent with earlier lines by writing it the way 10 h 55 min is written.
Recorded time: 8 h 32 min
